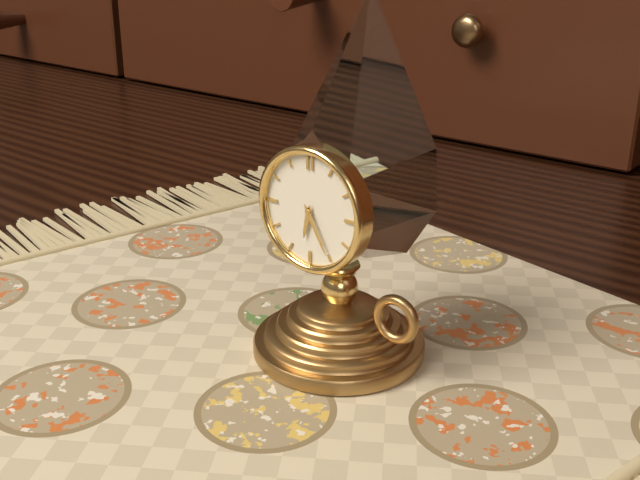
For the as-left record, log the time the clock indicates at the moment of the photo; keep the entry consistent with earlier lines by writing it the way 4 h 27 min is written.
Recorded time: 6 h 25 min
